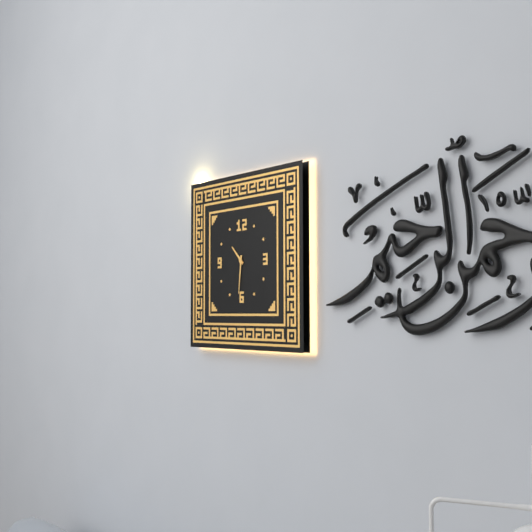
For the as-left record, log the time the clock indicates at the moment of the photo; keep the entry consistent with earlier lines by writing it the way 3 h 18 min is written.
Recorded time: 10 h 31 min
